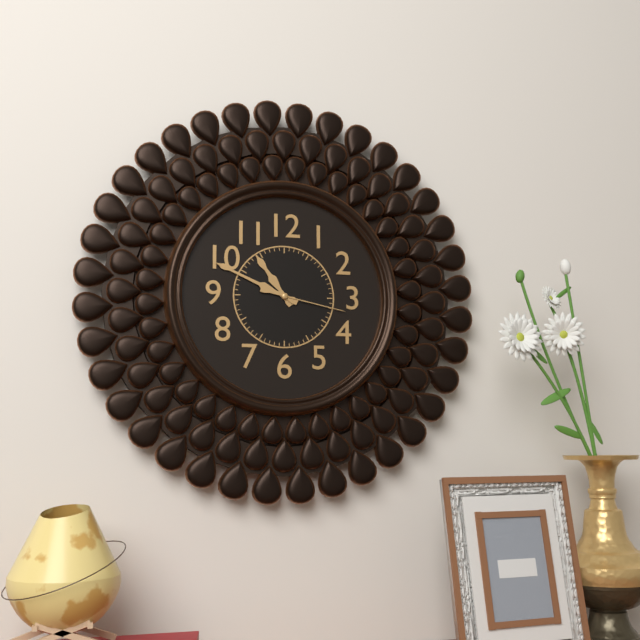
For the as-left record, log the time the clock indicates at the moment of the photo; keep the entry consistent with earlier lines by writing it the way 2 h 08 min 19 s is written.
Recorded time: 10 h 49 min 17 s
